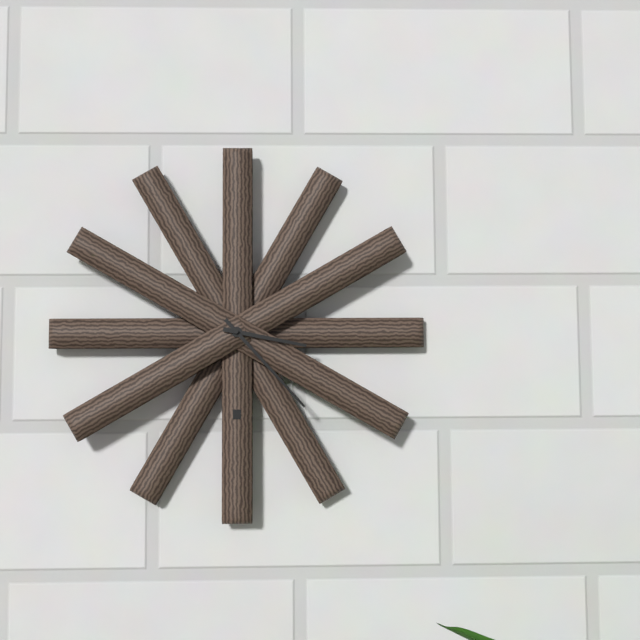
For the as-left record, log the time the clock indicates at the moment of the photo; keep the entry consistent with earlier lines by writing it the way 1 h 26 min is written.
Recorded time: 3 h 23 min
